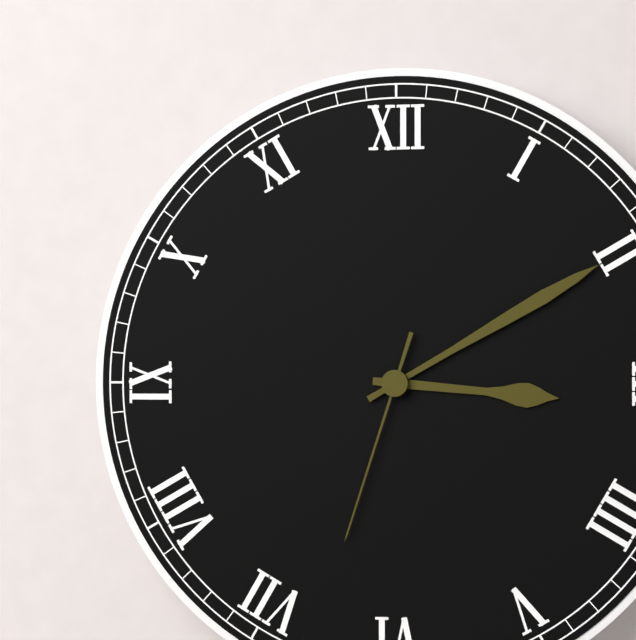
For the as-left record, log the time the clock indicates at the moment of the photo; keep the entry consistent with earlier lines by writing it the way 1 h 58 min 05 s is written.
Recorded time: 3 h 10 min 33 s
